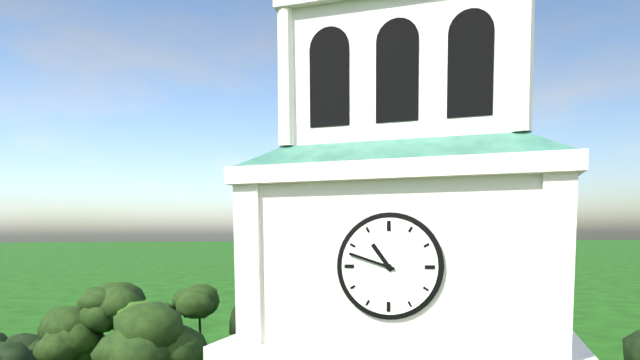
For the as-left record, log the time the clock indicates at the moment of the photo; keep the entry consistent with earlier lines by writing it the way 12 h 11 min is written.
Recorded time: 10 h 48 min
